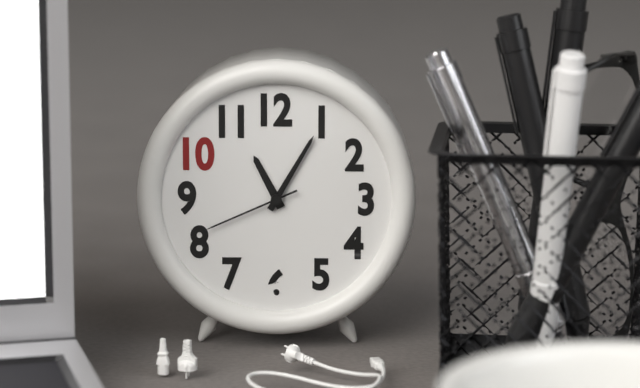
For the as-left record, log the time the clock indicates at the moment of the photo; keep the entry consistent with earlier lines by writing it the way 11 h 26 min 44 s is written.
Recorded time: 11 h 05 min 41 s
